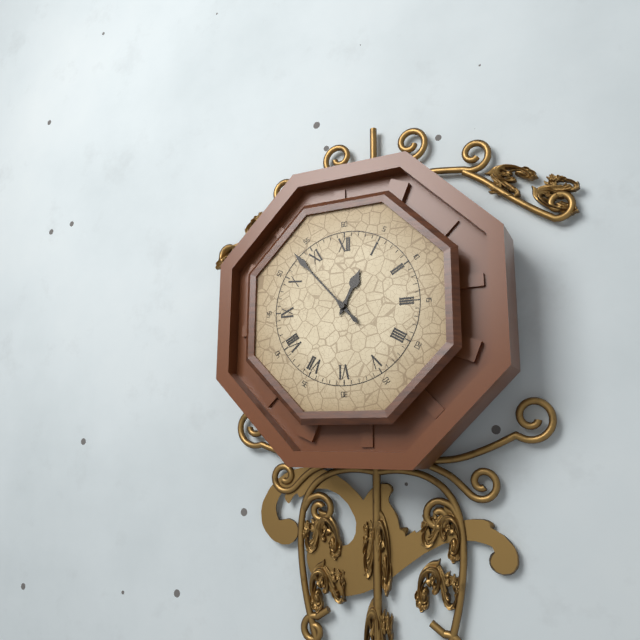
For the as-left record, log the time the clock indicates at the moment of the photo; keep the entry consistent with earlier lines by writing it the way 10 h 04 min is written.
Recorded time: 12 h 53 min
